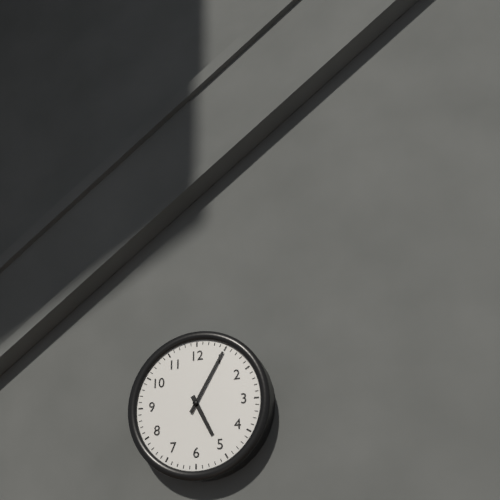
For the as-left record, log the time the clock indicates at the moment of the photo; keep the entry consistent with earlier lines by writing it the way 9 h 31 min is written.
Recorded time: 5 h 05 min
